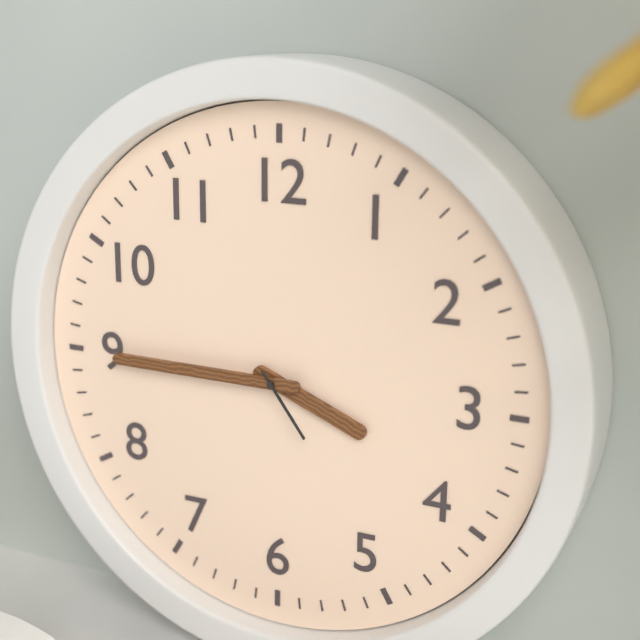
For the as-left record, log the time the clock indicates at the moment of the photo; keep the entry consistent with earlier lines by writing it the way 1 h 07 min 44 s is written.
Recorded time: 3 h 45 min 24 s
